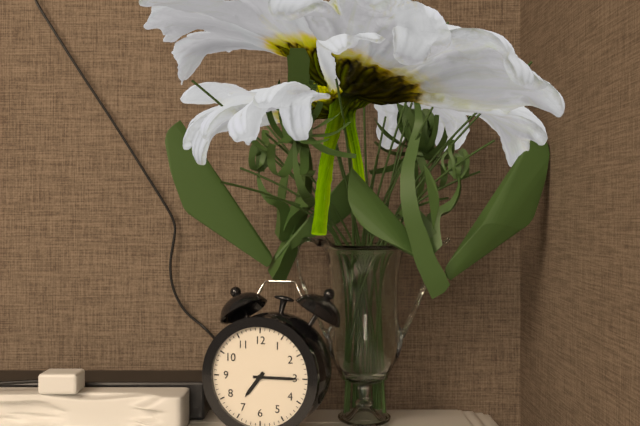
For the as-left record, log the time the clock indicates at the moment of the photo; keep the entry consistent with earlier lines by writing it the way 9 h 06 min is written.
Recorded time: 7 h 15 min
